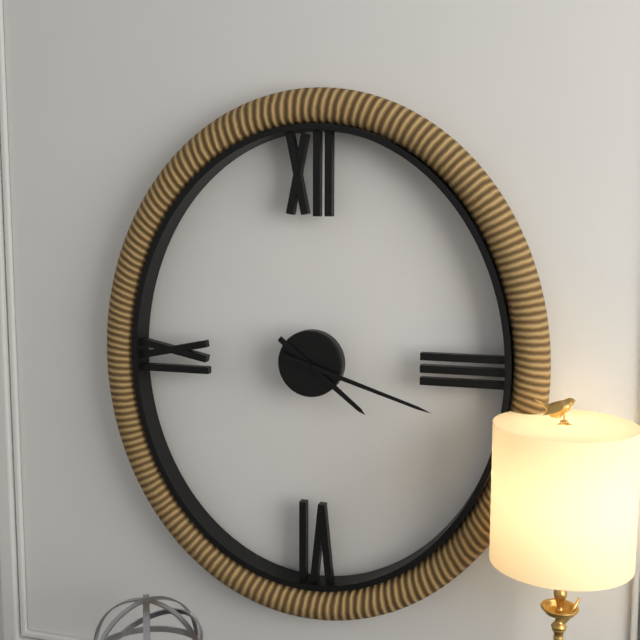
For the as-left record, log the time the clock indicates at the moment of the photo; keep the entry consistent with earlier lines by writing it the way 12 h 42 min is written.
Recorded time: 4 h 18 min
